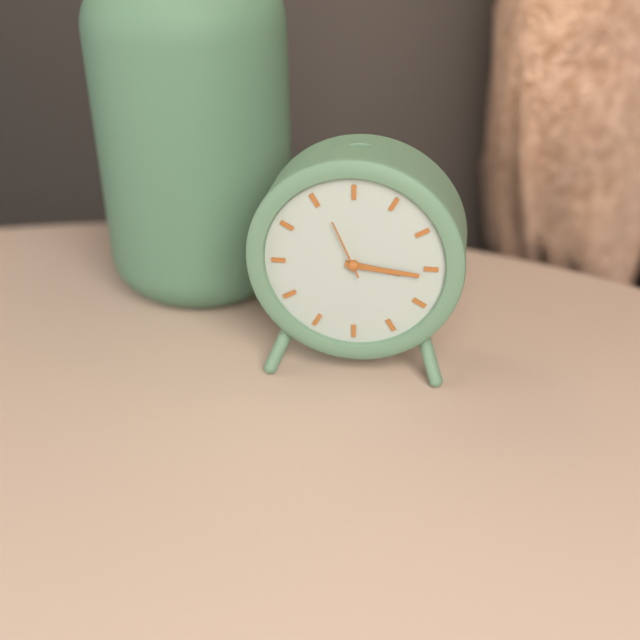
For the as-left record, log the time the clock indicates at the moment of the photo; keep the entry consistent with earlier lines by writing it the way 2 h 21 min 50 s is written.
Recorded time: 3 h 16 min 56 s
